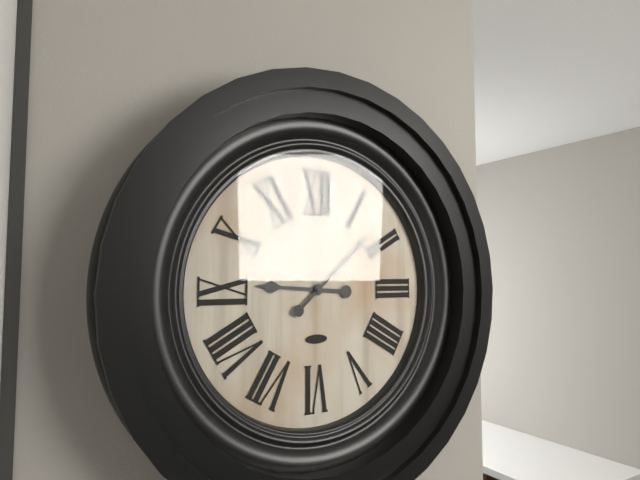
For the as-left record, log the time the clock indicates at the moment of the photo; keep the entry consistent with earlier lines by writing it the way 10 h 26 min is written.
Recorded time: 9 h 08 min
